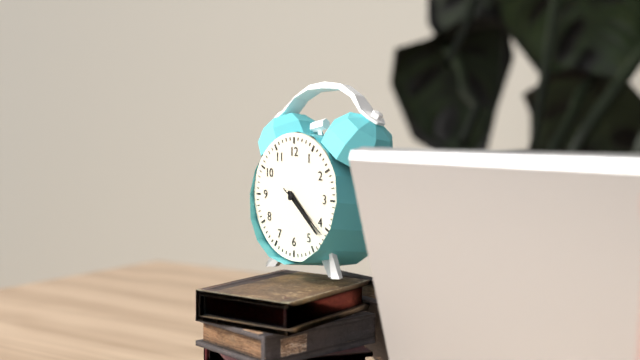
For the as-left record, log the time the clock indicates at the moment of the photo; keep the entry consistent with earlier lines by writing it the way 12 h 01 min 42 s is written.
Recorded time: 4 h 22 min 21 s
